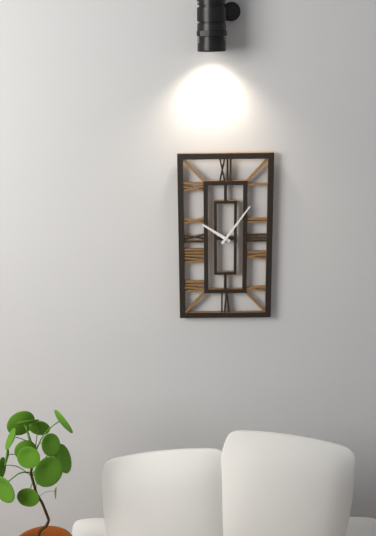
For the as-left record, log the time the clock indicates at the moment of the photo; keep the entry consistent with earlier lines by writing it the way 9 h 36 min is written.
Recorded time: 10 h 06 min
